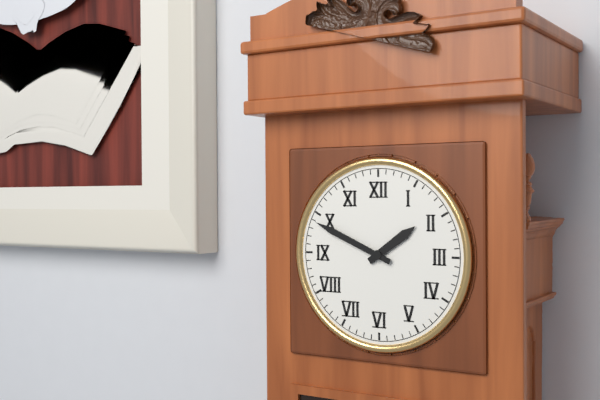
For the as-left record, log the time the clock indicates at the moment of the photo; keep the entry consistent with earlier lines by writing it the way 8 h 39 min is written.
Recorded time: 1 h 49 min
